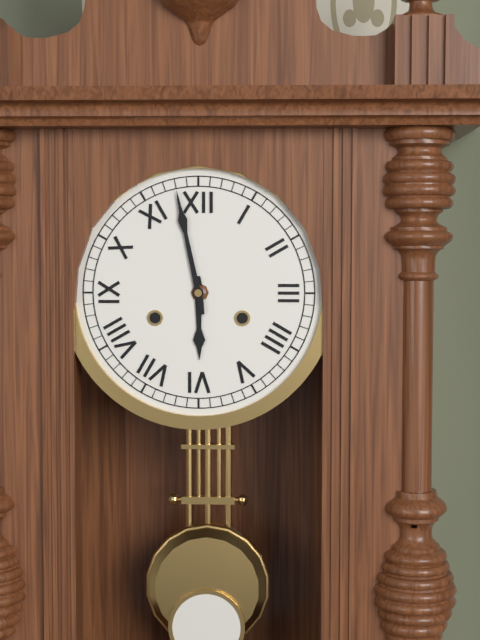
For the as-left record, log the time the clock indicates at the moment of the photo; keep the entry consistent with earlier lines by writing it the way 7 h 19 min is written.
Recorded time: 5 h 58 min
